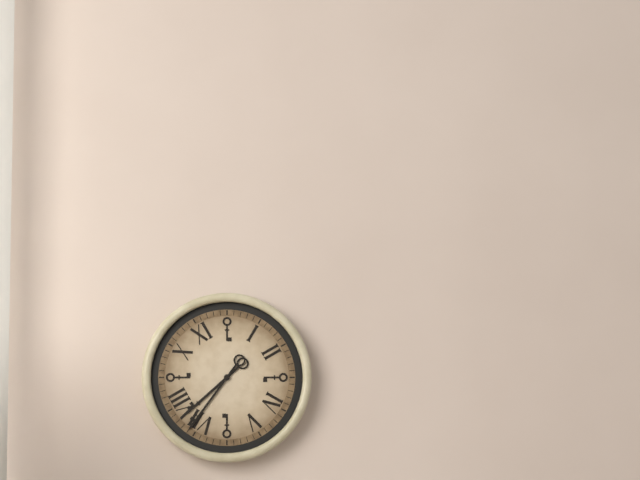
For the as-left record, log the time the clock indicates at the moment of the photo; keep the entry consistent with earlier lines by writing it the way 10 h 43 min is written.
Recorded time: 7 h 36 min
